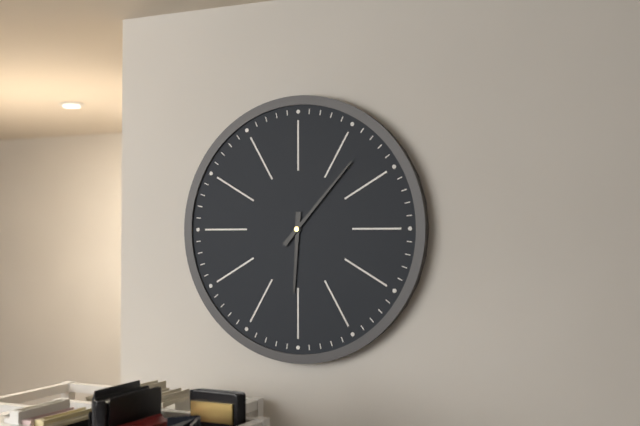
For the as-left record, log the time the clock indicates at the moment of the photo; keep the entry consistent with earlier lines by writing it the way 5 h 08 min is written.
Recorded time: 6 h 07 min
